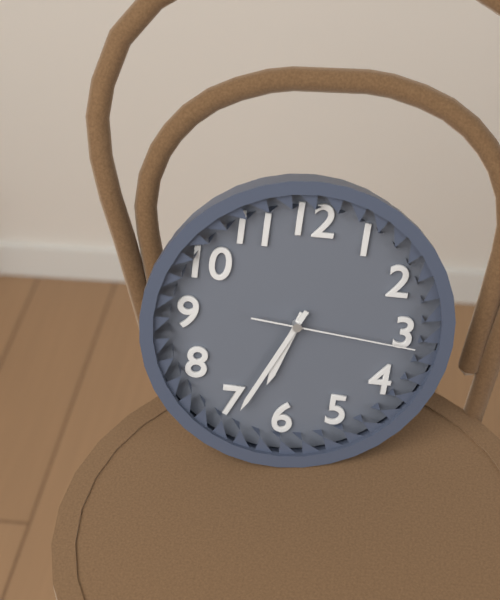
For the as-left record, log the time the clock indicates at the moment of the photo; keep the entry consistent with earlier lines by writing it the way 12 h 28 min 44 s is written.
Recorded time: 6 h 34 min 16 s
